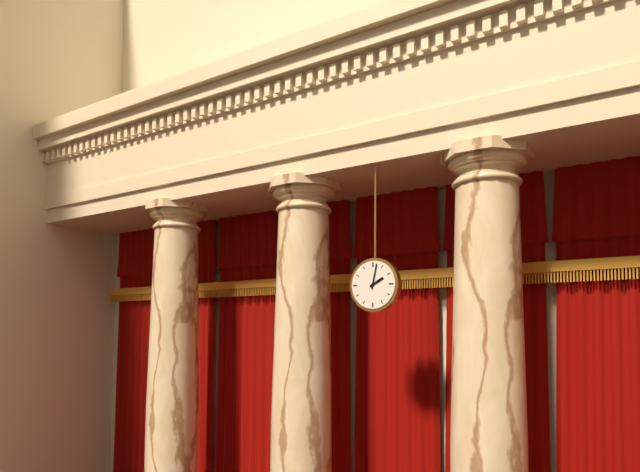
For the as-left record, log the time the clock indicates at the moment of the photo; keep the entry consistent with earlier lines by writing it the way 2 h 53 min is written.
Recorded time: 2 h 02 min
